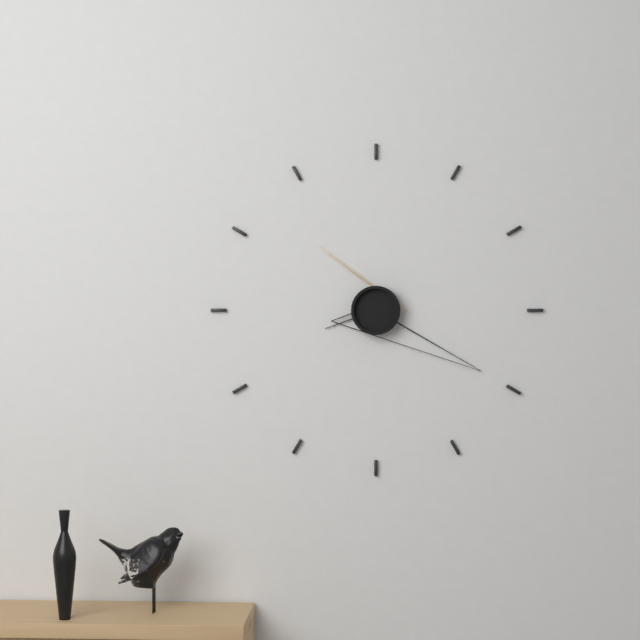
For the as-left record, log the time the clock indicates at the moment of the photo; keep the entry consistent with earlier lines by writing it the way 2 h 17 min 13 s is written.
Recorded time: 8 h 20 min 53 s
